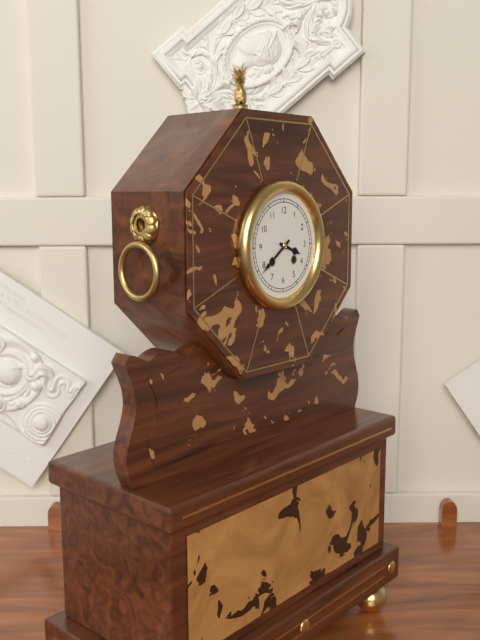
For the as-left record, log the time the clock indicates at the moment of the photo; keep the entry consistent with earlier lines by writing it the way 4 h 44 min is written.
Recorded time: 3 h 39 min
